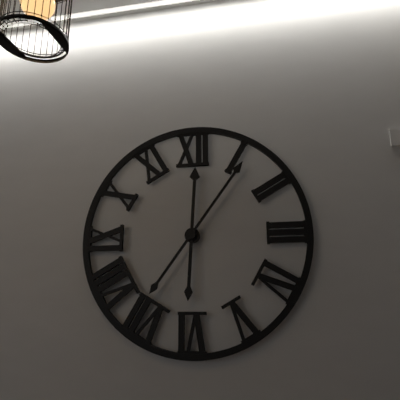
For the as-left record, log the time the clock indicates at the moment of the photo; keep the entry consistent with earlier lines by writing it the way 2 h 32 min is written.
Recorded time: 12 h 06 min
